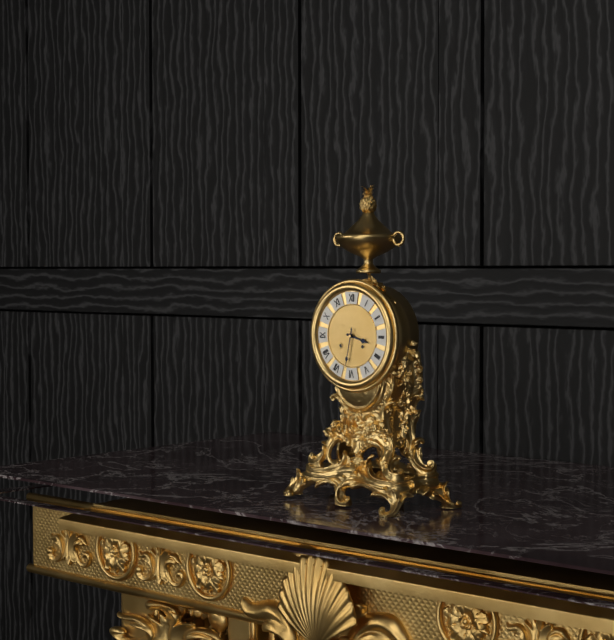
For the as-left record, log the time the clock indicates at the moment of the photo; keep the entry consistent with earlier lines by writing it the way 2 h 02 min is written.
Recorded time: 3 h 32 min
